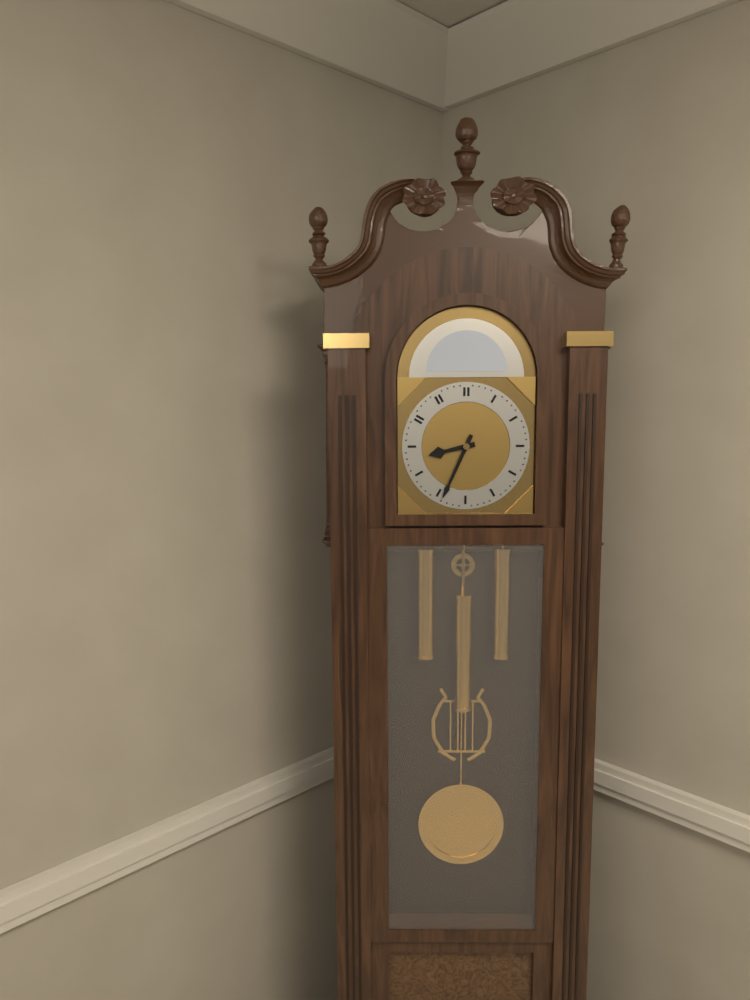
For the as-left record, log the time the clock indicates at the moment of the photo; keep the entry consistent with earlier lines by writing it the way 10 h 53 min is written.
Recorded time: 8 h 34 min
